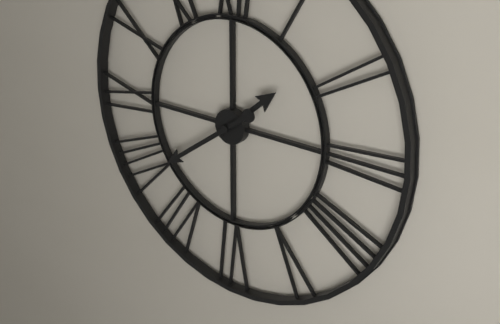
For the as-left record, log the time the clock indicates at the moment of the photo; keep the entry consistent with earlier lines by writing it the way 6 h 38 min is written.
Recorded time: 1 h 39 min
